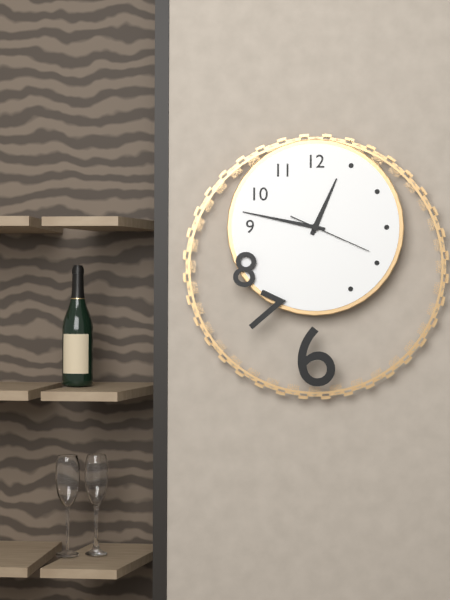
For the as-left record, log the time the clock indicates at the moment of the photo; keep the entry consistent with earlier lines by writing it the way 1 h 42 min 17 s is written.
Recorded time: 12 h 47 min 19 s
